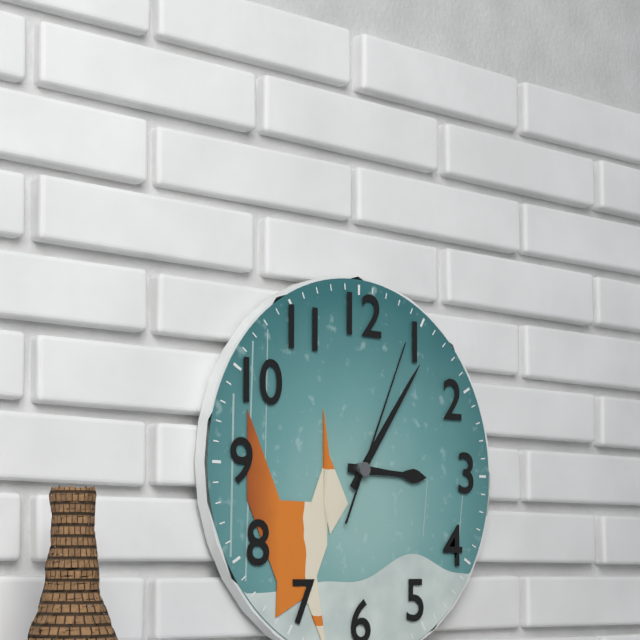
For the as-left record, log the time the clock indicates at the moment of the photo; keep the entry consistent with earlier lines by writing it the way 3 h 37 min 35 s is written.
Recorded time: 3 h 06 min 04 s
